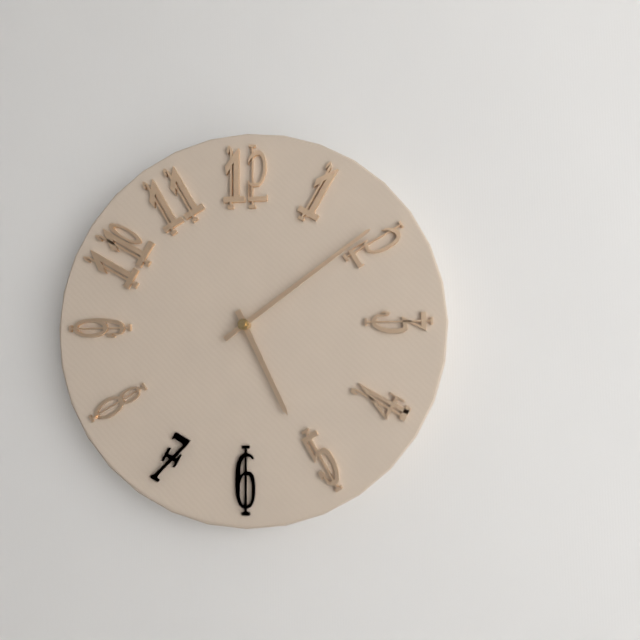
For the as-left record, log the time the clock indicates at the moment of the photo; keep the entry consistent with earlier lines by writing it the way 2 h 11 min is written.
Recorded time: 5 h 09 min
